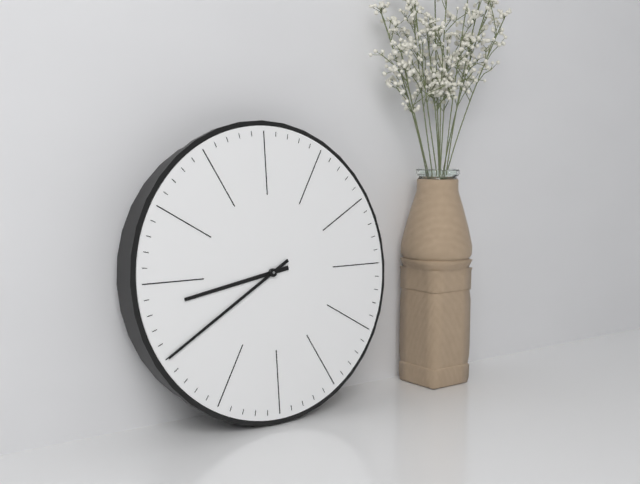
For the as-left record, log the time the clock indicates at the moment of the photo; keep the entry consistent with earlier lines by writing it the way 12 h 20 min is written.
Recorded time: 8 h 40 min
